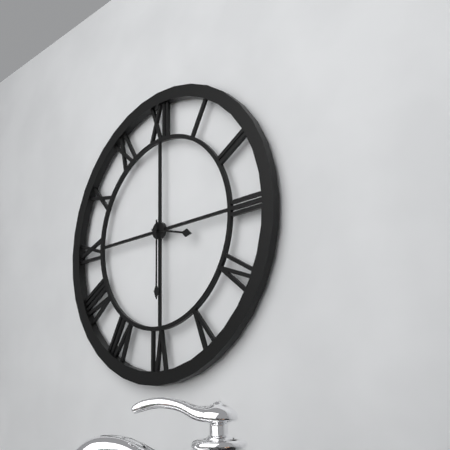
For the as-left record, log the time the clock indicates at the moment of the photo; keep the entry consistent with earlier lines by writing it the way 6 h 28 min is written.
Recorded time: 3 h 30 min
